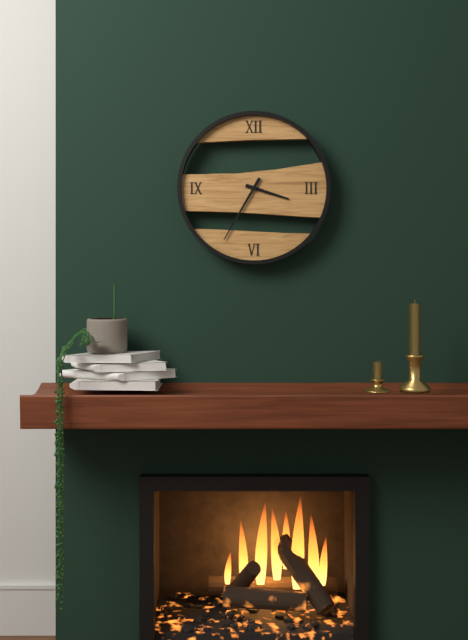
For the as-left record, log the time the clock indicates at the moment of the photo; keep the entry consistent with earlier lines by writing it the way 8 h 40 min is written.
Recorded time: 3 h 35 min
